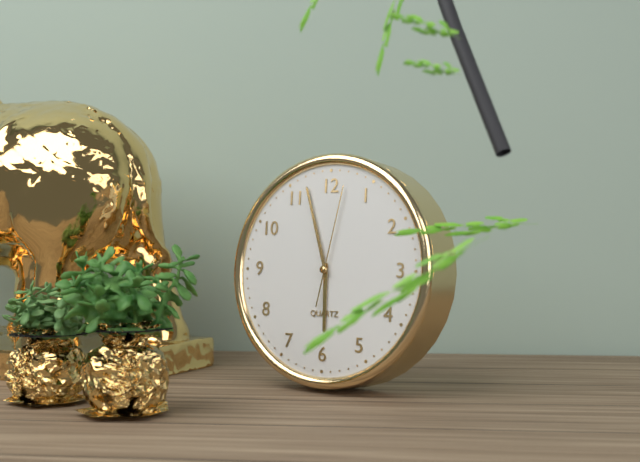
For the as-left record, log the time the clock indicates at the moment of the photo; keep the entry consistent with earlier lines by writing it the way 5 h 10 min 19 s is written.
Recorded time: 5 h 57 min 02 s
